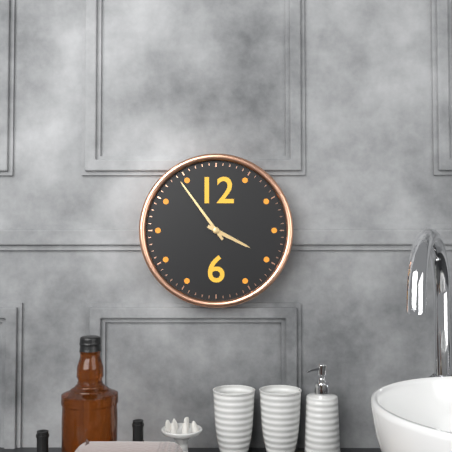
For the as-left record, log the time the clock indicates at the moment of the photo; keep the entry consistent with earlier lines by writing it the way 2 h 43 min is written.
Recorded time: 3 h 54 min
